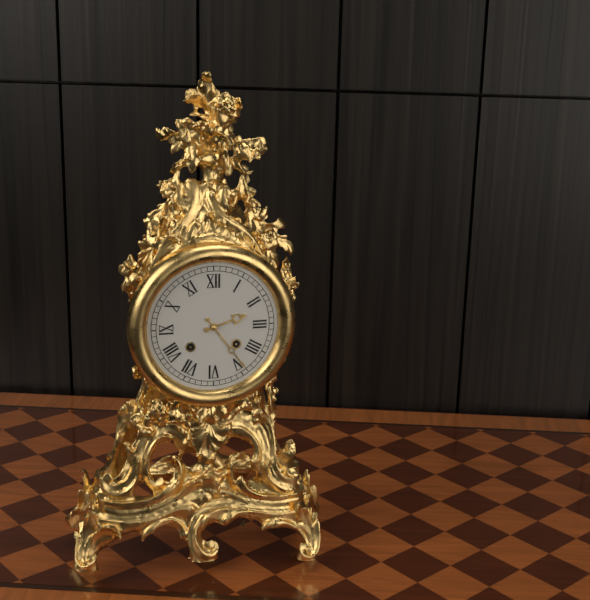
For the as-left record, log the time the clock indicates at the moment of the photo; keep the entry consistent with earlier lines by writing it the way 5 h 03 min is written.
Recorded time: 2 h 24 min
